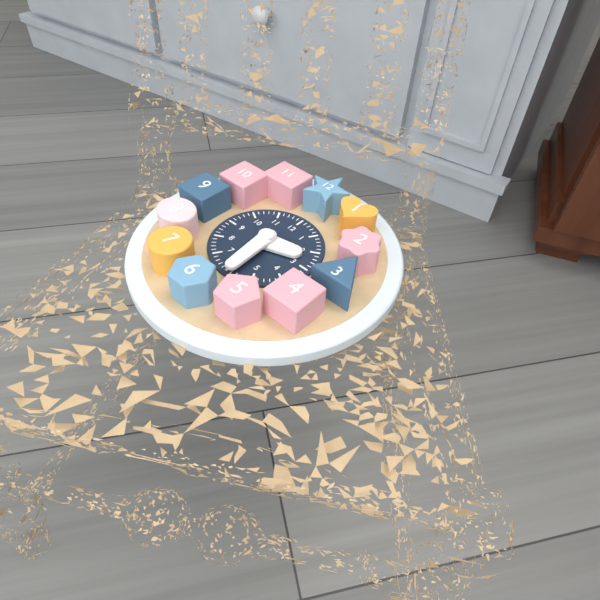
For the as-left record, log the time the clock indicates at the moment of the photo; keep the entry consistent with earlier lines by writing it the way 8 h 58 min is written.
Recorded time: 2 h 29 min
